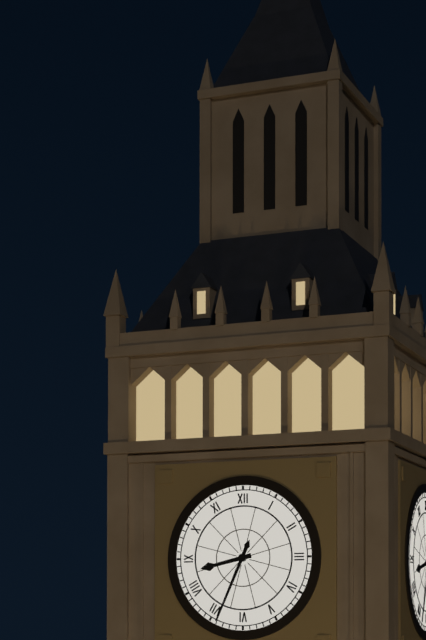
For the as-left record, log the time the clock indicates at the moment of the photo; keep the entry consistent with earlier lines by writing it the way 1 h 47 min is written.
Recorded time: 8 h 34 min
